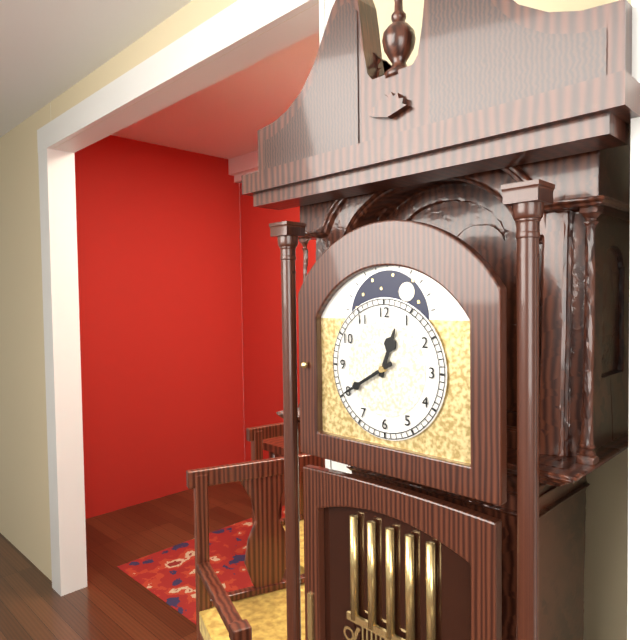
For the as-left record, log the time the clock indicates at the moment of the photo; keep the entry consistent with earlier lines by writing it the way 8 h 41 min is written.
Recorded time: 12 h 40 min
